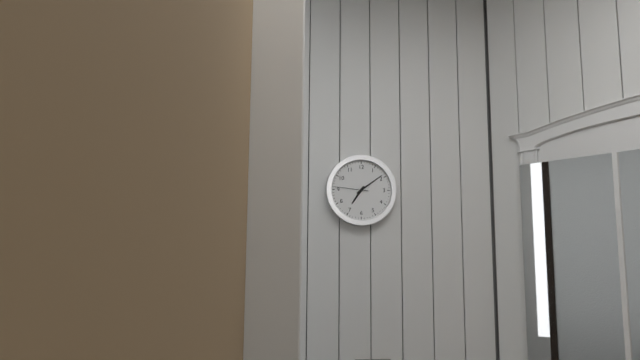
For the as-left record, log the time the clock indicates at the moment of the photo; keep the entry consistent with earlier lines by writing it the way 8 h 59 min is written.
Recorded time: 7 h 09 min
